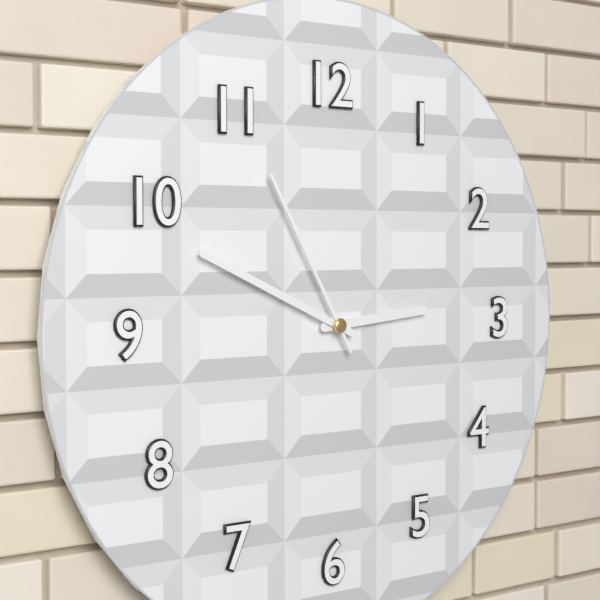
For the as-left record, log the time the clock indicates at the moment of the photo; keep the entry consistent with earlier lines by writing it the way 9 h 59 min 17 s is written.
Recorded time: 2 h 49 min 55 s
